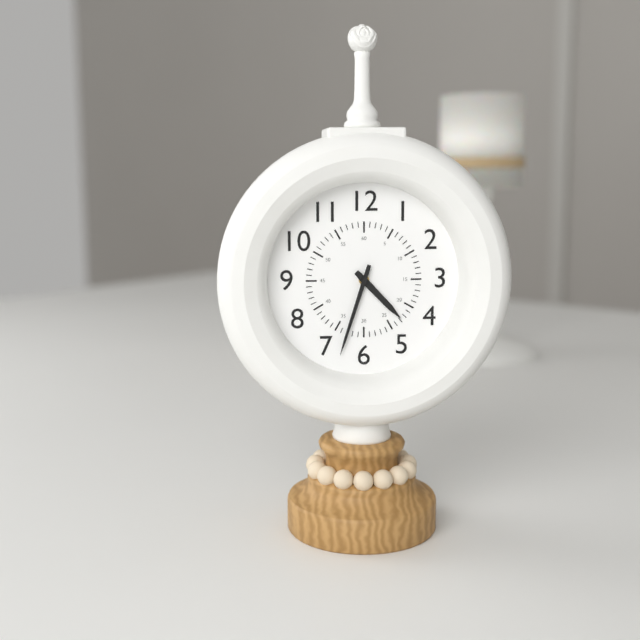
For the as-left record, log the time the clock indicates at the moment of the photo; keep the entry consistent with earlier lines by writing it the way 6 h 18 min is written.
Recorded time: 4 h 33 min
